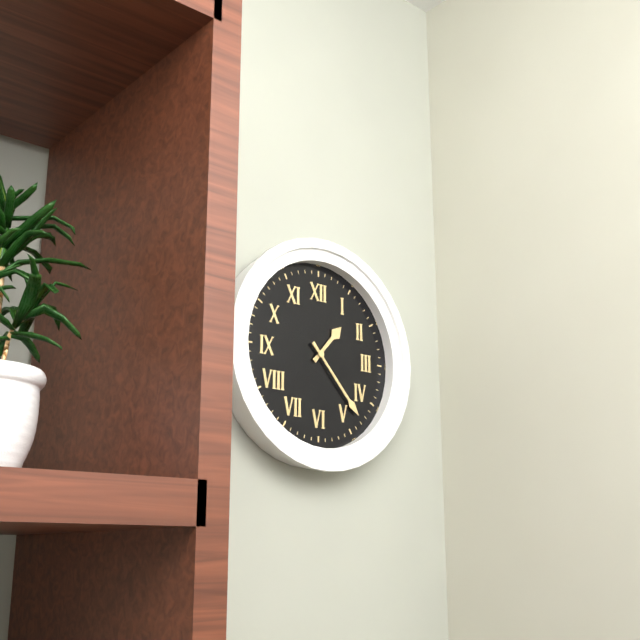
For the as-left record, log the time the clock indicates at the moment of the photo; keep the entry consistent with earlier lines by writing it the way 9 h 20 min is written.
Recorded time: 1 h 23 min
